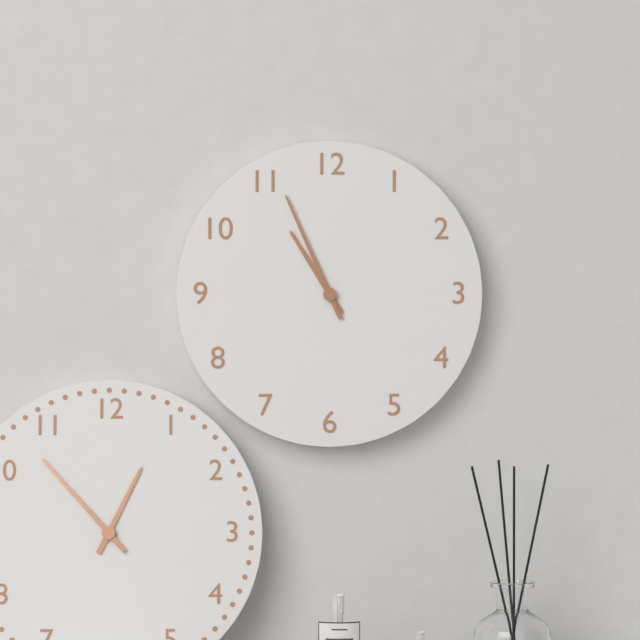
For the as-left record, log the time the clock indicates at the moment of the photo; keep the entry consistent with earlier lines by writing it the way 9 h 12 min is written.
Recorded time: 10 h 56 min
